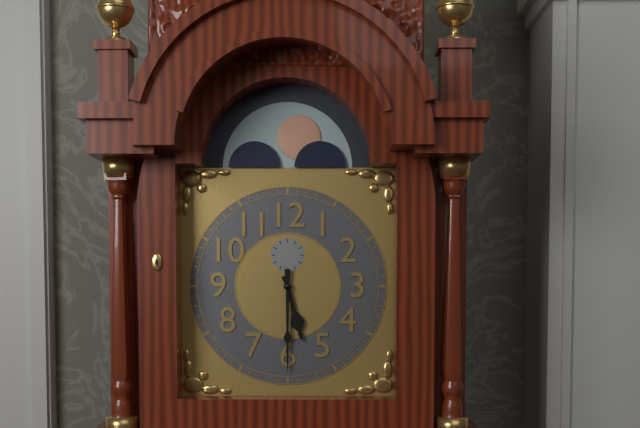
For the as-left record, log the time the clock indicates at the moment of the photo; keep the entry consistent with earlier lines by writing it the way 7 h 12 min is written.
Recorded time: 5 h 30 min
